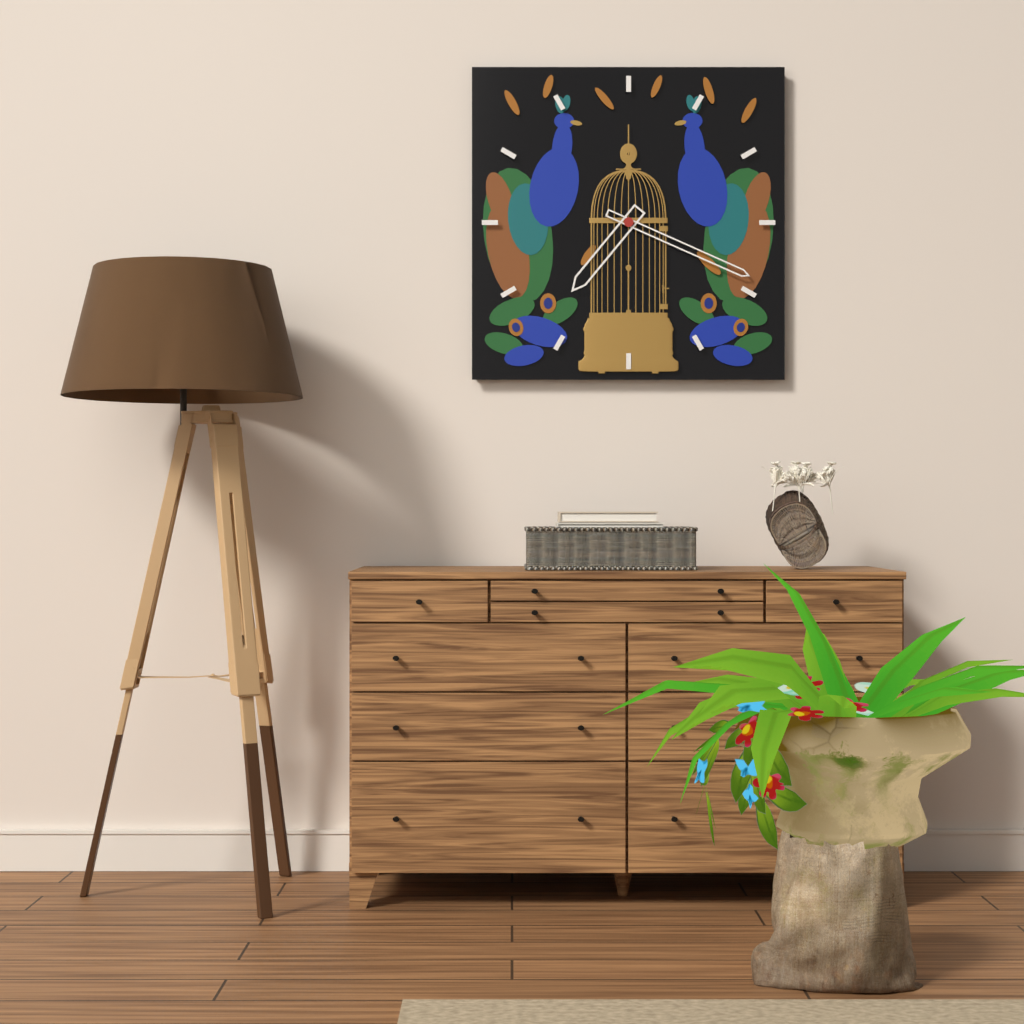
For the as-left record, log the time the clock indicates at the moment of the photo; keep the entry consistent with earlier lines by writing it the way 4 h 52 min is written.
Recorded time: 7 h 19 min
